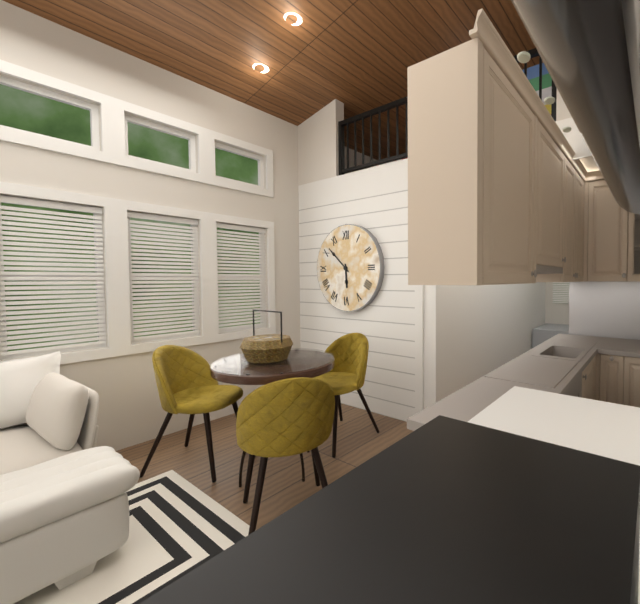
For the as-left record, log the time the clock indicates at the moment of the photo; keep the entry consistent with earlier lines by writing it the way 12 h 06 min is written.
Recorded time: 5 h 52 min
